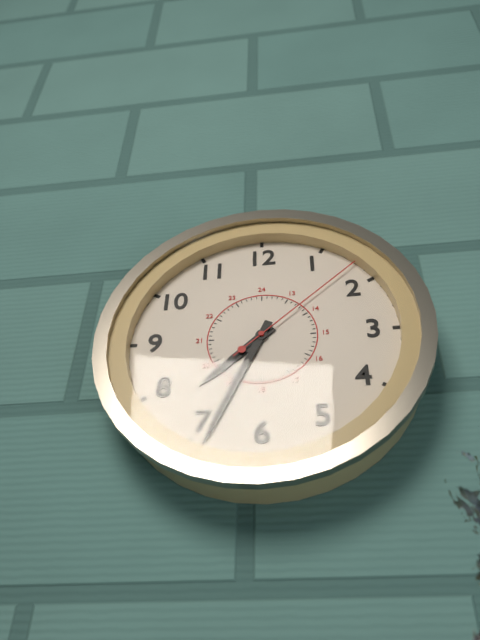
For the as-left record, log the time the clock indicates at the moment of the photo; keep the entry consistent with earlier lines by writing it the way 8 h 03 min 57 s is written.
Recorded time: 7 h 34 min 08 s
